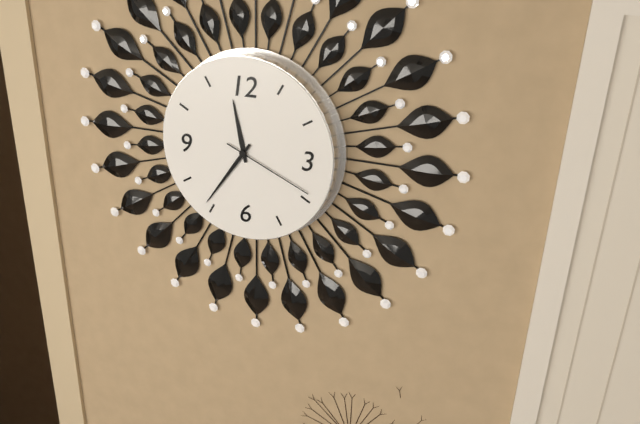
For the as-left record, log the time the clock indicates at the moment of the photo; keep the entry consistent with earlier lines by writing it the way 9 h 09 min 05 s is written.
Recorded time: 11 h 36 min 19 s
